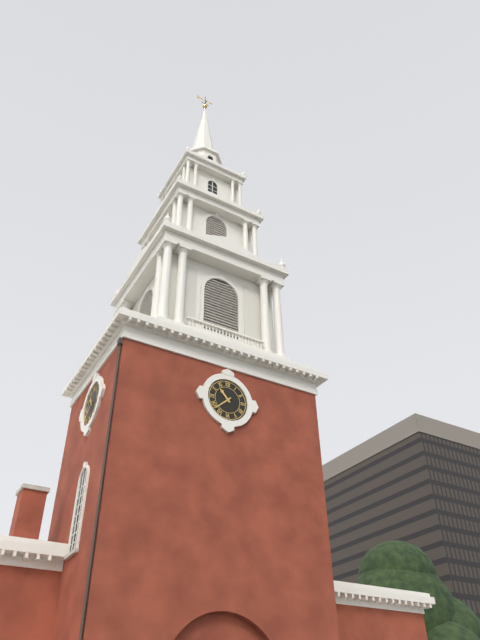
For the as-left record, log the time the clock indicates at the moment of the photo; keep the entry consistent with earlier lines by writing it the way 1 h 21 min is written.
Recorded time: 10 h 38 min
